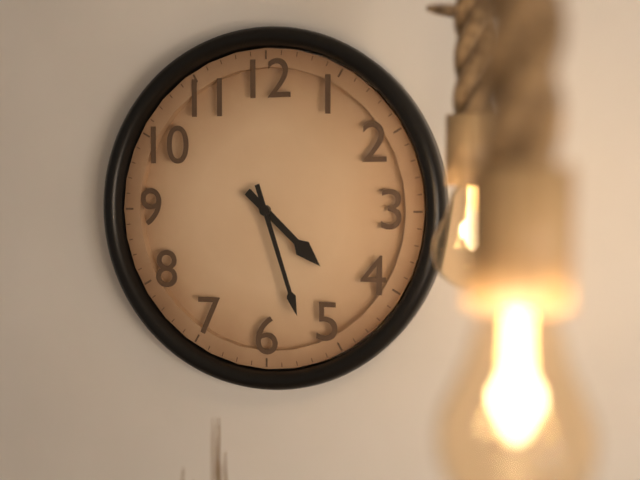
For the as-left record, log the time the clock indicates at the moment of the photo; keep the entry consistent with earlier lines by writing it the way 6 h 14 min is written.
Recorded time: 4 h 27 min
